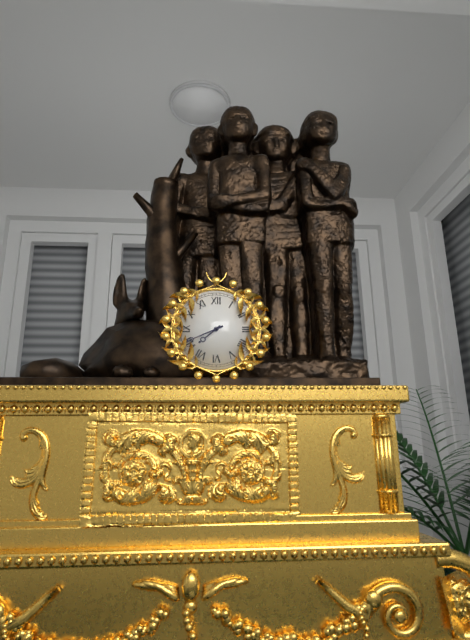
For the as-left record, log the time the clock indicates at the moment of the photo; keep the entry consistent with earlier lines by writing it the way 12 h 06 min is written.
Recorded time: 7 h 41 min
